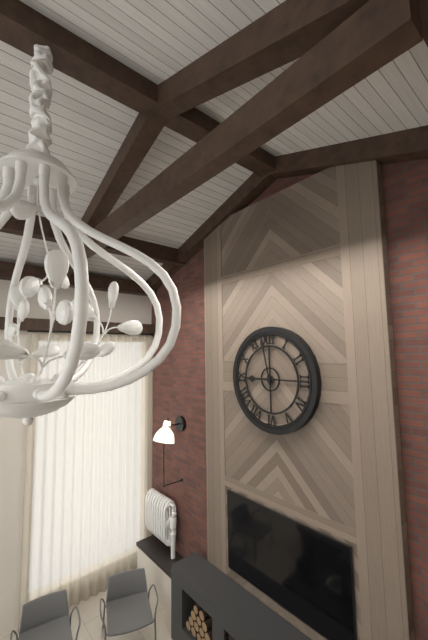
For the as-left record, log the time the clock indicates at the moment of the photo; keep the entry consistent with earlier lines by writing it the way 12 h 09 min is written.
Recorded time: 8 h 58 min
